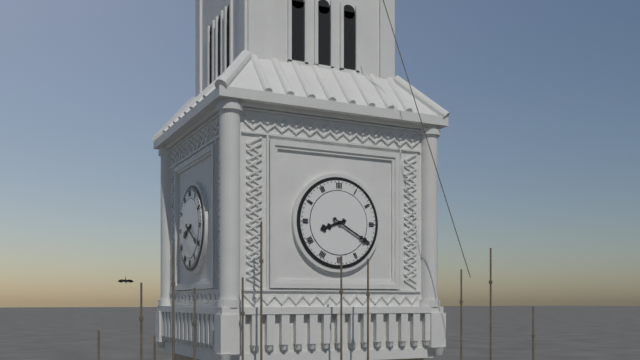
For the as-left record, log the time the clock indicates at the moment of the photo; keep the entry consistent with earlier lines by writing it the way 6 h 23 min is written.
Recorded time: 8 h 20 min
